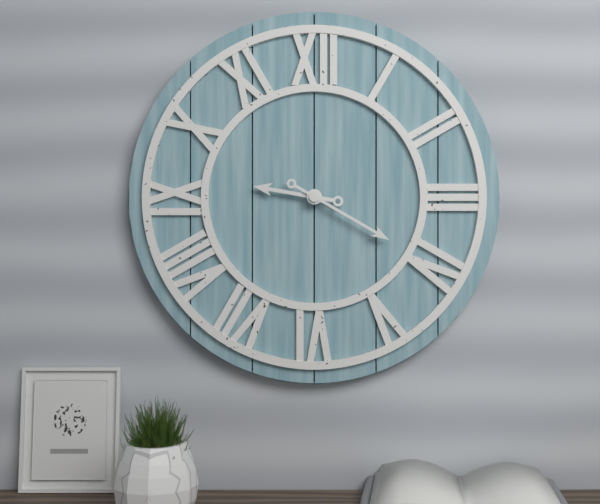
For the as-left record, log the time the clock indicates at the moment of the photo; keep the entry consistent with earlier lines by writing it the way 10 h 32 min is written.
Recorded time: 9 h 20 min
